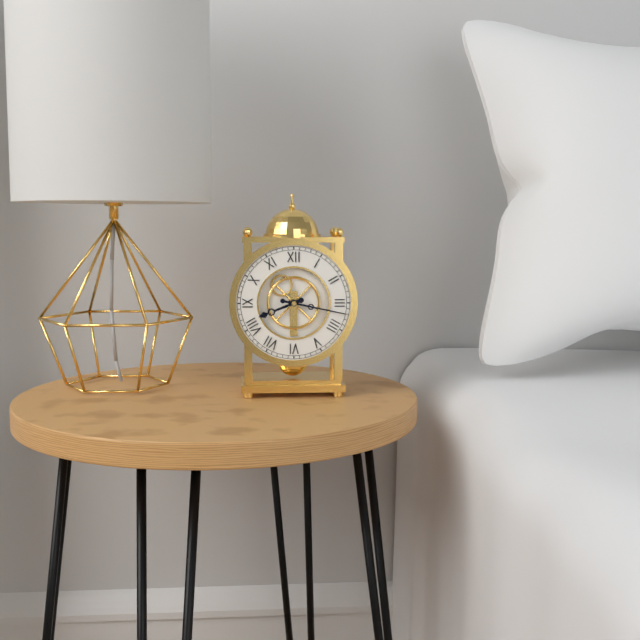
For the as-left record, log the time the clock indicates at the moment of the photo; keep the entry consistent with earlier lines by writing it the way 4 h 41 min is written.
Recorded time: 8 h 17 min
